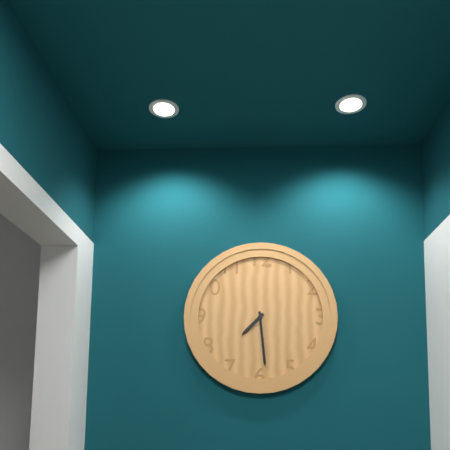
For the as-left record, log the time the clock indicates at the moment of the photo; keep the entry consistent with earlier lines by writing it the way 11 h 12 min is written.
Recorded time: 7 h 29 min
